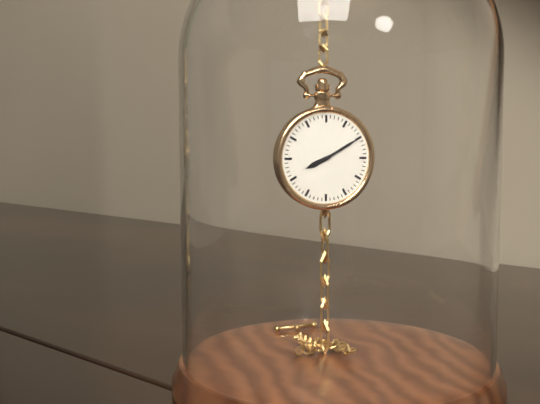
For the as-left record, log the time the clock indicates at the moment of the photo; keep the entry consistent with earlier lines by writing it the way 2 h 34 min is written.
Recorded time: 8 h 10 min
